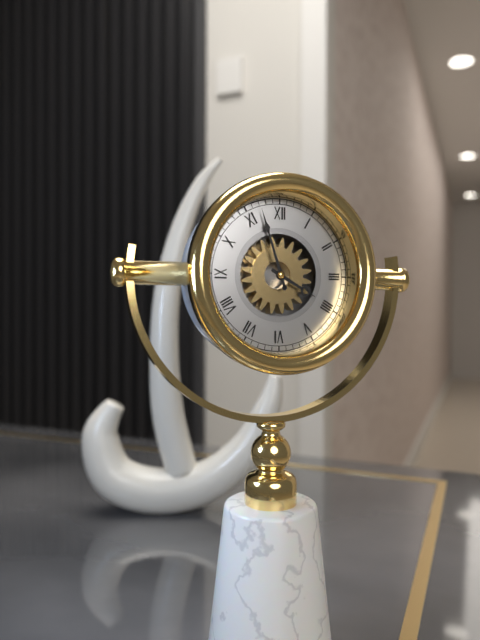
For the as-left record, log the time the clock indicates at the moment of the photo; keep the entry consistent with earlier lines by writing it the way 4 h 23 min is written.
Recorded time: 3 h 57 min
